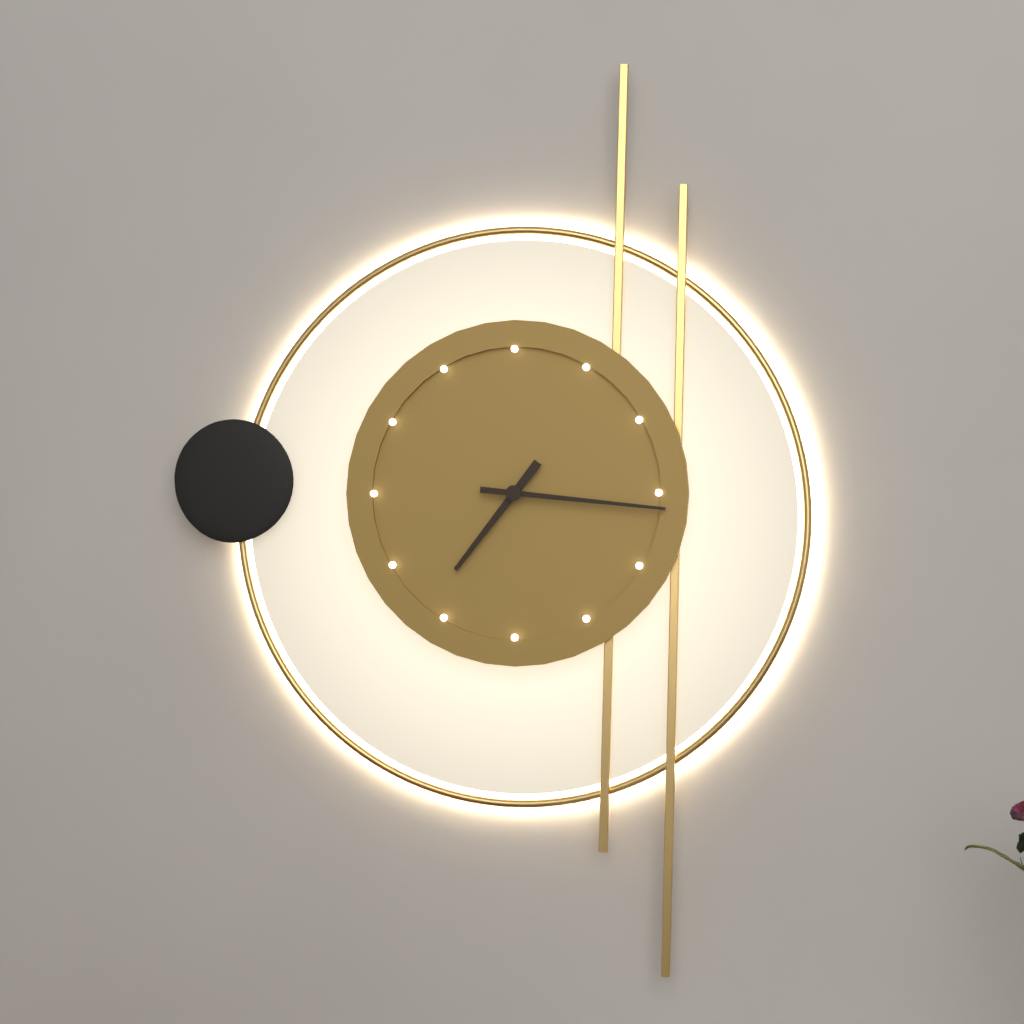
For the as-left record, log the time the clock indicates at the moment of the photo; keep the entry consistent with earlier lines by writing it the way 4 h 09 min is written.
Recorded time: 7 h 16 min
